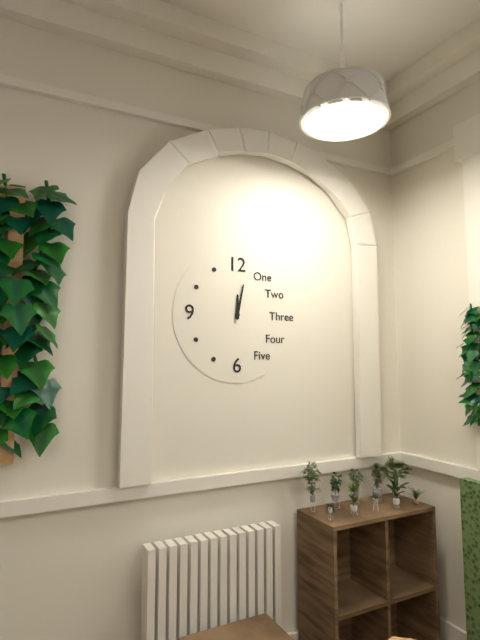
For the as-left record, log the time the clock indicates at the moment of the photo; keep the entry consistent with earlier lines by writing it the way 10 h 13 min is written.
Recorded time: 12 h 02 min
